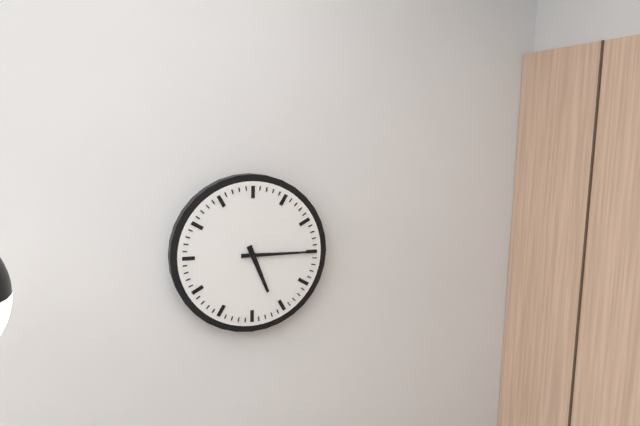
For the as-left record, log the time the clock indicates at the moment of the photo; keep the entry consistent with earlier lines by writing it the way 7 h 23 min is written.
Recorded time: 5 h 15 min
